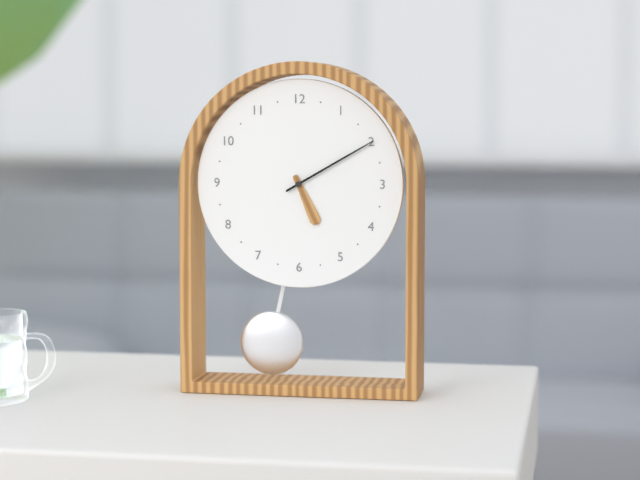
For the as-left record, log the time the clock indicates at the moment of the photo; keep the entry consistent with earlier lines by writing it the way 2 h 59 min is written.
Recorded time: 5 h 10 min
